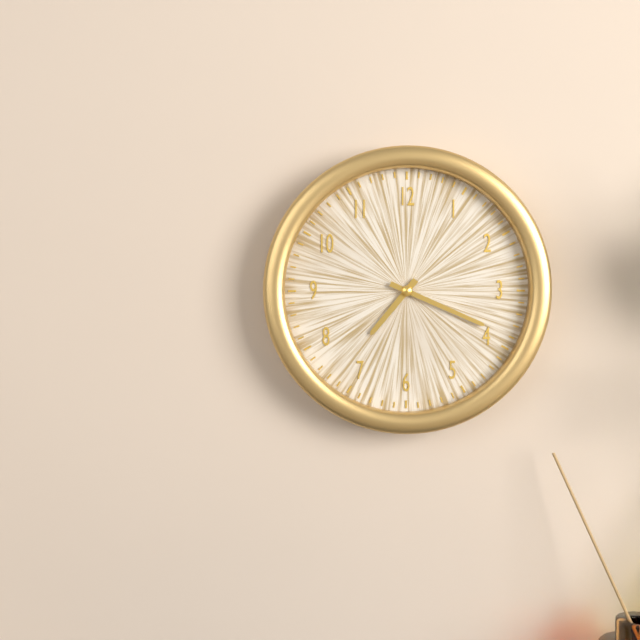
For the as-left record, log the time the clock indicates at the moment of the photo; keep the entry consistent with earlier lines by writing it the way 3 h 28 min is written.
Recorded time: 7 h 19 min
